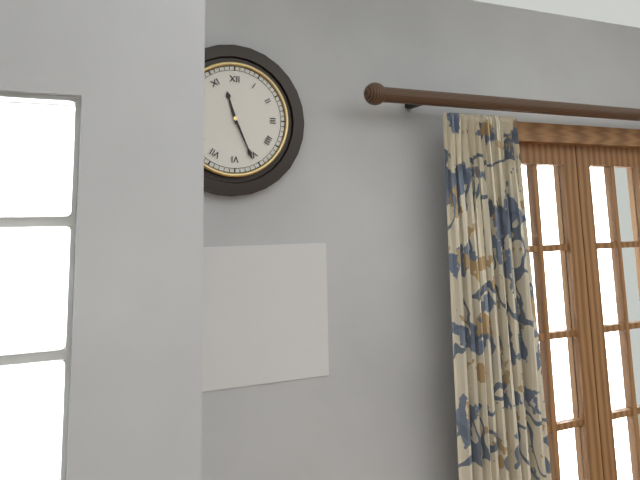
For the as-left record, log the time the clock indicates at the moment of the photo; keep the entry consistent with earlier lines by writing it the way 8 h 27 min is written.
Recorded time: 11 h 26 min
